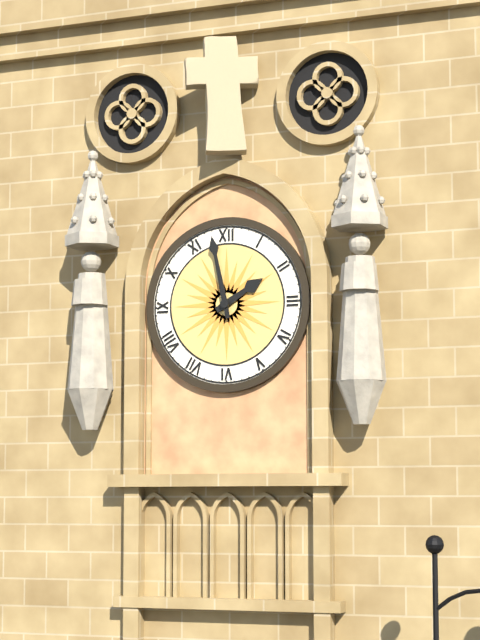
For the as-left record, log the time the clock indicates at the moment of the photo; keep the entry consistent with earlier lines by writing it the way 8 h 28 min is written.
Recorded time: 1 h 58 min
